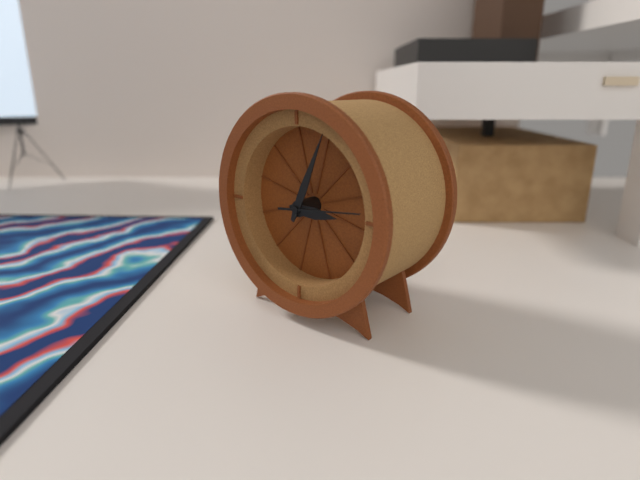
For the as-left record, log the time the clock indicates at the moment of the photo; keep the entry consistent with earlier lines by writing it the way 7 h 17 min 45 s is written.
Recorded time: 3 h 04 min 14 s
